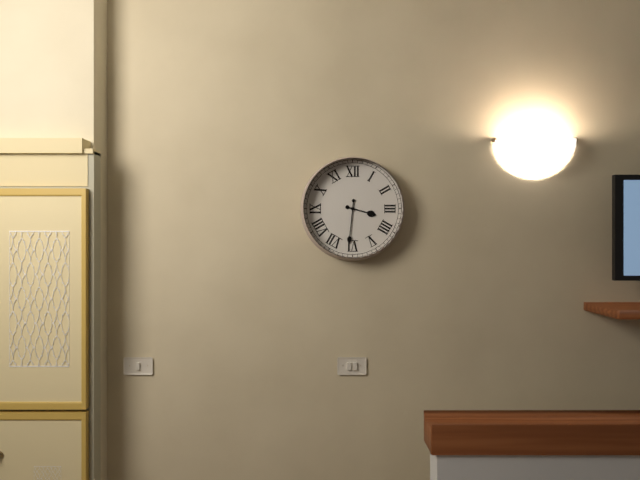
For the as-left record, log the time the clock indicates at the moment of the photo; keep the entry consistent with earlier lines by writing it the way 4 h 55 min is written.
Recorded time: 3 h 31 min
